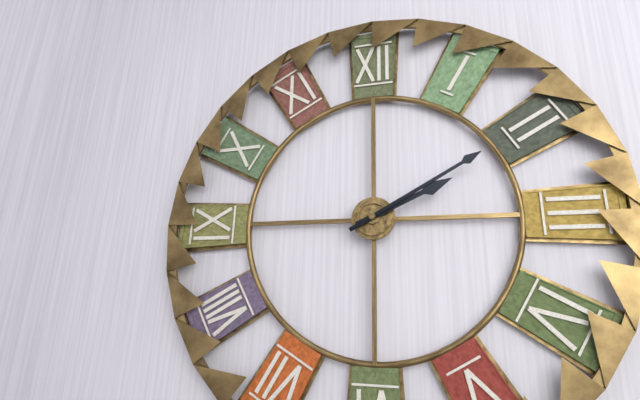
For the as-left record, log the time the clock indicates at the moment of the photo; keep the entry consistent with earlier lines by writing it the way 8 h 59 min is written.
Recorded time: 2 h 10 min
